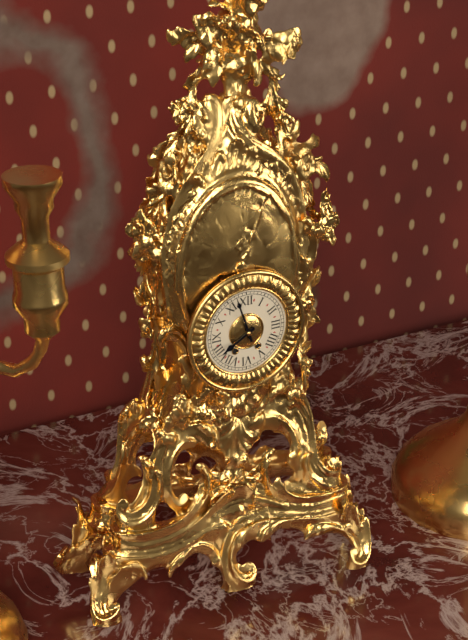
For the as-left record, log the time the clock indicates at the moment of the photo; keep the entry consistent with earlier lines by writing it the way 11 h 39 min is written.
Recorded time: 7 h 57 min
